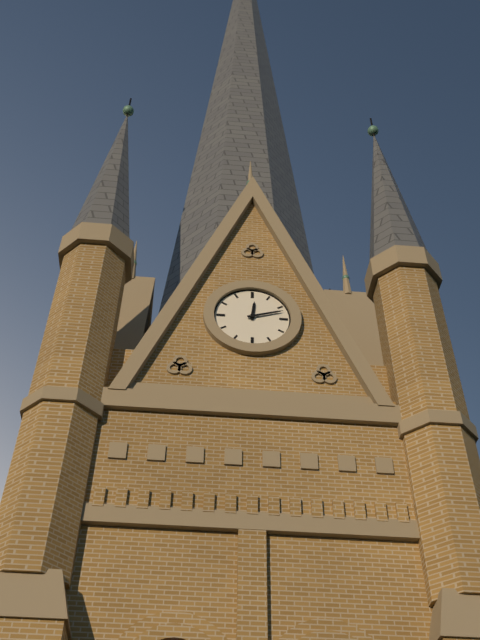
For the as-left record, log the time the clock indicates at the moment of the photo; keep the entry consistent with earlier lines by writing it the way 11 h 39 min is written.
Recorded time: 12 h 12 min
